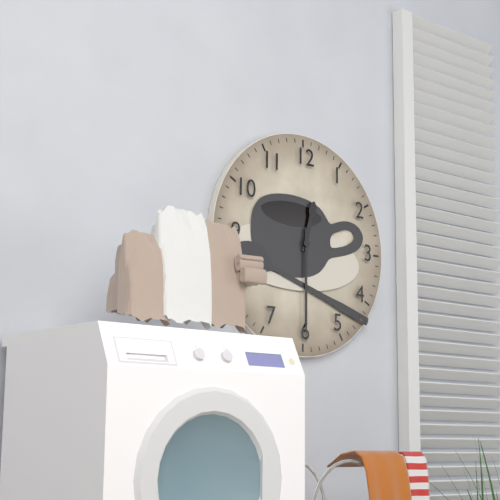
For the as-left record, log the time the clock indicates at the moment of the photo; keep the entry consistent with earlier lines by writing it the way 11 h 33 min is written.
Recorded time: 12 h 30 min
